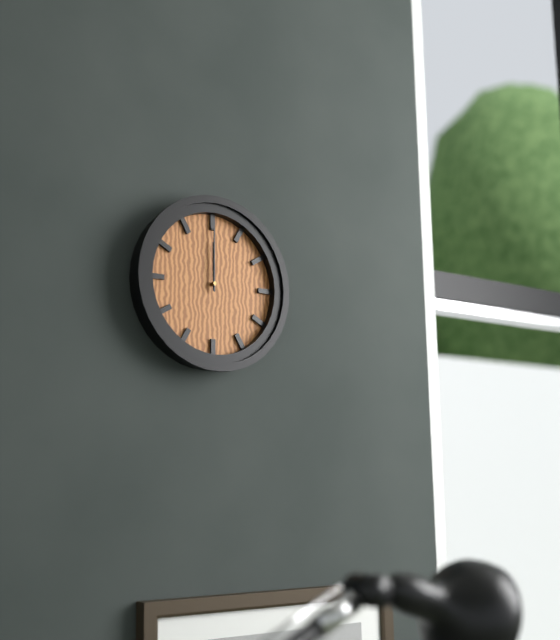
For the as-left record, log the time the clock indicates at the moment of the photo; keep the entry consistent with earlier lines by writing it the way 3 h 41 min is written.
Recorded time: 12 h 00 min
